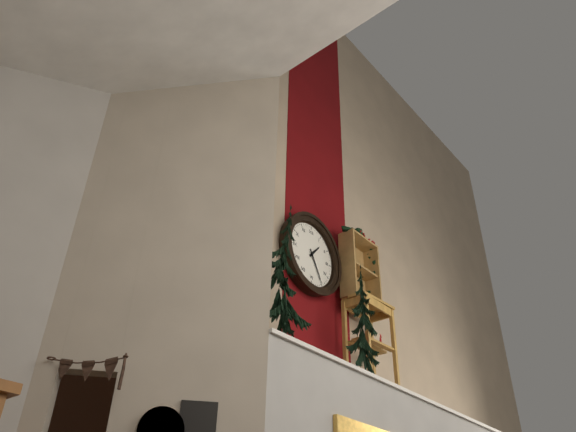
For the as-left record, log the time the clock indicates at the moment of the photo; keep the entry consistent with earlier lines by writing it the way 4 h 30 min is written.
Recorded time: 1 h 25 min
